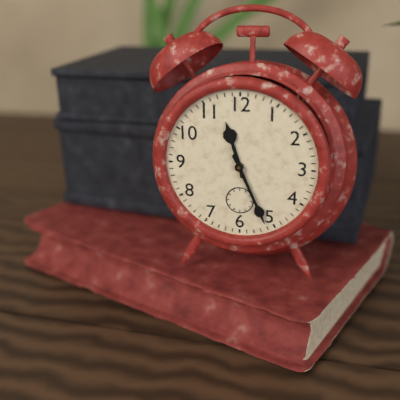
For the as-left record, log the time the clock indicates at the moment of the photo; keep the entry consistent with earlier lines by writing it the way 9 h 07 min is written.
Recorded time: 11 h 26 min
